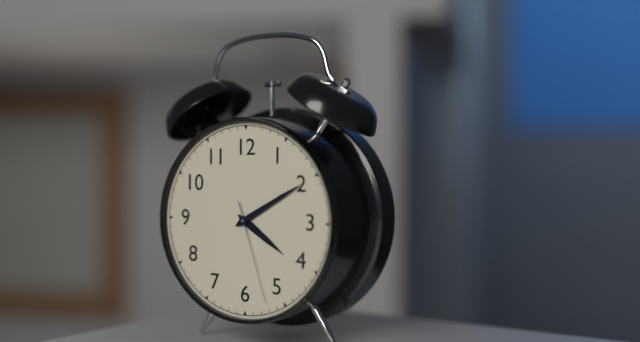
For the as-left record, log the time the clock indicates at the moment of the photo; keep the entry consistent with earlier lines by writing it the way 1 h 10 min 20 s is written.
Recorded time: 4 h 10 min 27 s
